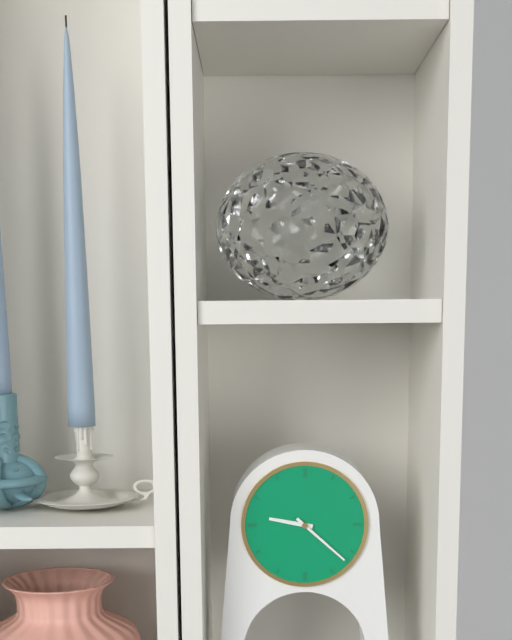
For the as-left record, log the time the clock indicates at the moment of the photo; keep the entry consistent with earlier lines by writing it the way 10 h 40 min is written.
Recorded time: 9 h 22 min
